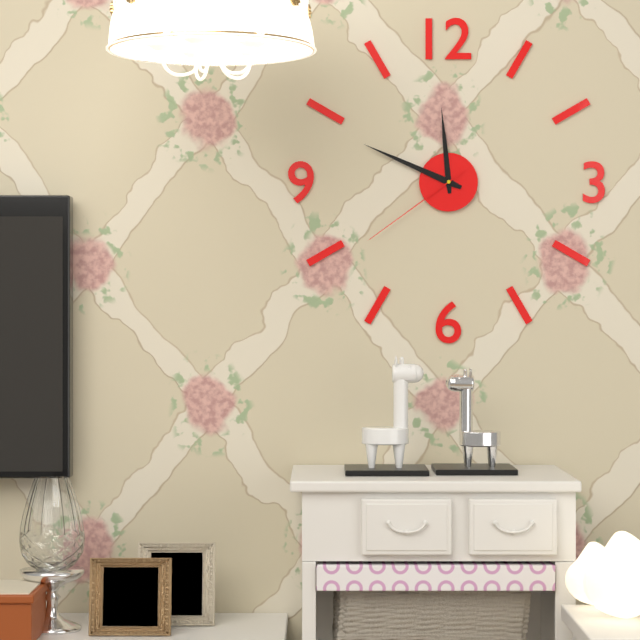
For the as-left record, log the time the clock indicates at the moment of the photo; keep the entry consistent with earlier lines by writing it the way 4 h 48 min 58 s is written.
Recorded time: 11 h 49 min 39 s
